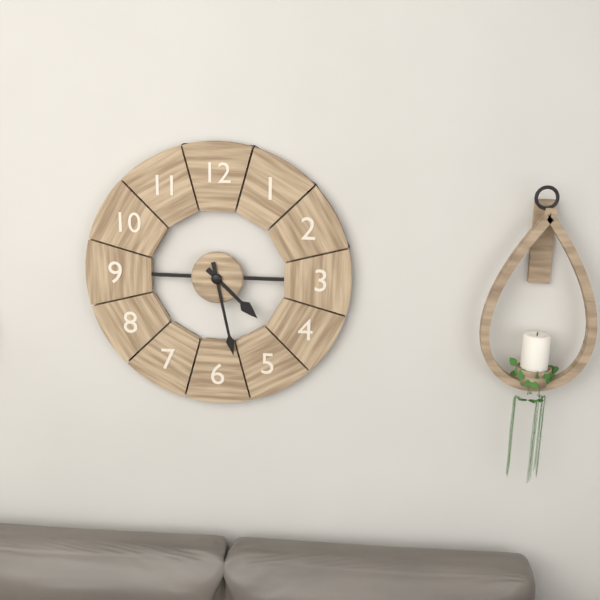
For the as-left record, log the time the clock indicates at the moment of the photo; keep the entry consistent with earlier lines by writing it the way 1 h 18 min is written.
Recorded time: 4 h 28 min
